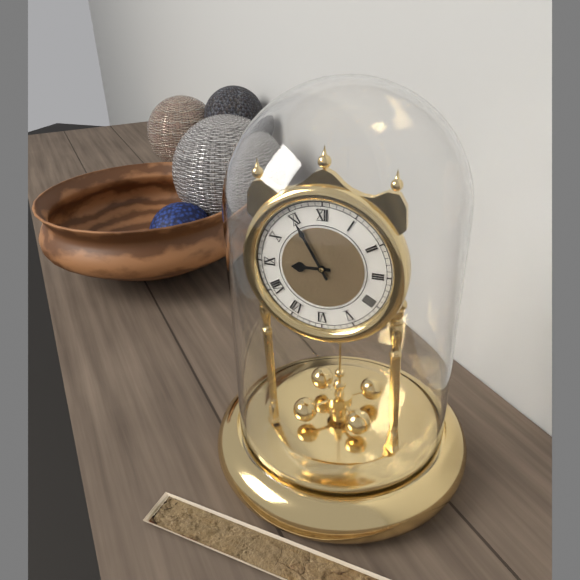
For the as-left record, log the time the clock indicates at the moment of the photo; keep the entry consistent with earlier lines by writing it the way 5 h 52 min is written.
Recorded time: 8 h 55 min
